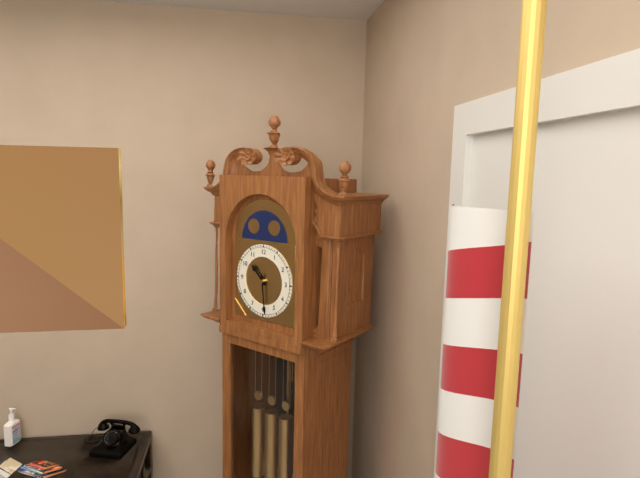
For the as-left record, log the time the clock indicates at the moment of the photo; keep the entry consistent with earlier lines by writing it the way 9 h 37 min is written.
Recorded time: 10 h 29 min
